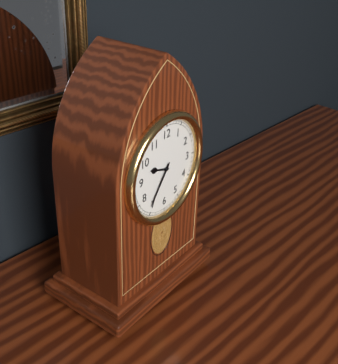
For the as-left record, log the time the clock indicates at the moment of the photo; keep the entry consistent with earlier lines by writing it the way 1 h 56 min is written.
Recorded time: 9 h 36 min
